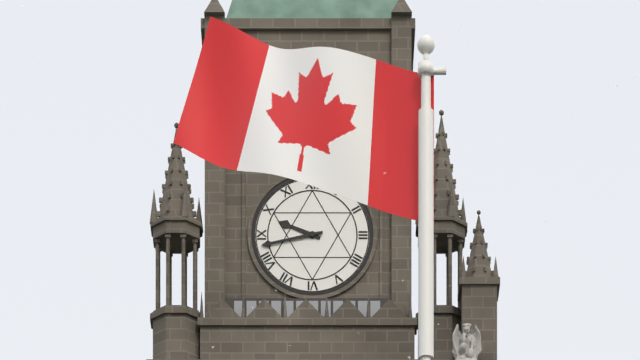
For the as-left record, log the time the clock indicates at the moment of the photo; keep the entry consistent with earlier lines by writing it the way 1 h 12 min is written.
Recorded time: 9 h 43 min
